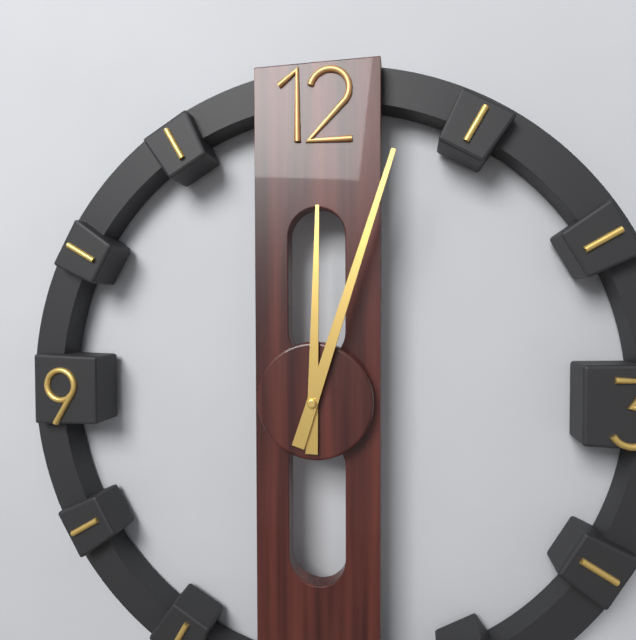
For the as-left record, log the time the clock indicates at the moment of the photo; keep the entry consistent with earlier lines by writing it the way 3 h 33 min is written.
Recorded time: 12 h 03 min
